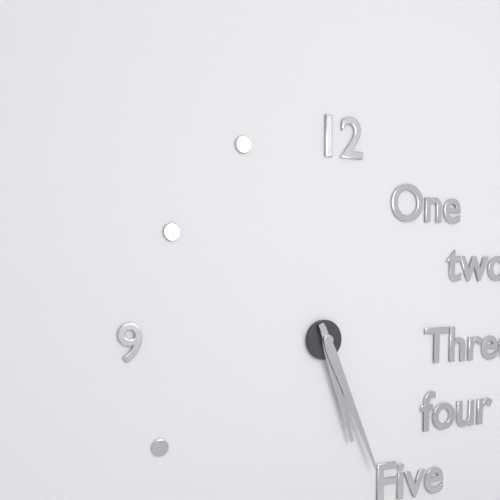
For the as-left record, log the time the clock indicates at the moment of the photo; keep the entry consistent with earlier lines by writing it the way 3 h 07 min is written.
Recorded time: 5 h 26 min
